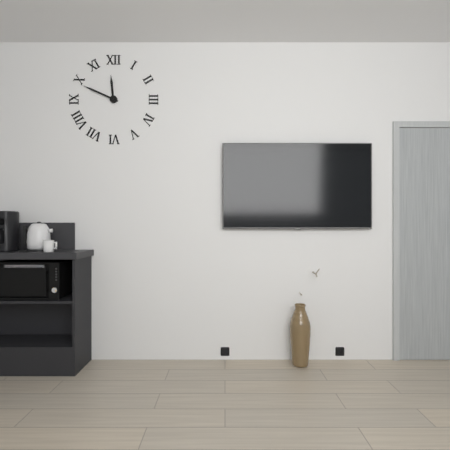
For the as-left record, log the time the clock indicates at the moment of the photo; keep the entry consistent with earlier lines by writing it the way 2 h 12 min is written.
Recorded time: 11 h 49 min
